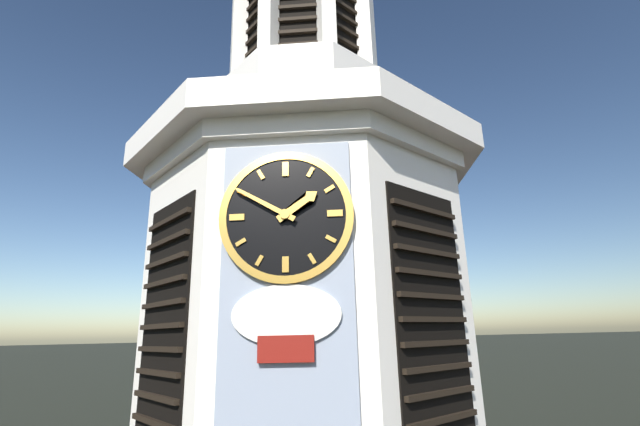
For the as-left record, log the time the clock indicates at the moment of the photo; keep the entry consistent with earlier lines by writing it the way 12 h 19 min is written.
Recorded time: 1 h 50 min
